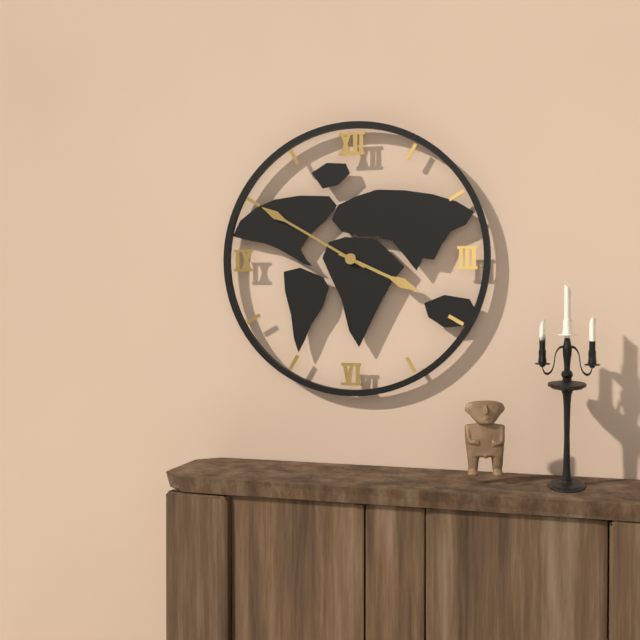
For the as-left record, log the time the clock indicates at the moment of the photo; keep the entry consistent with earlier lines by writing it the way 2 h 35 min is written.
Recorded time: 3 h 50 min
